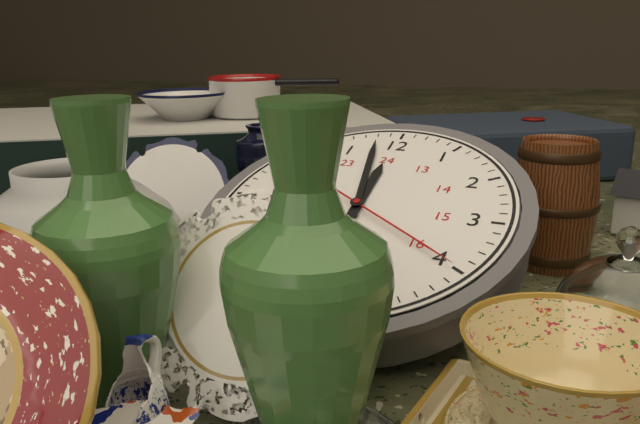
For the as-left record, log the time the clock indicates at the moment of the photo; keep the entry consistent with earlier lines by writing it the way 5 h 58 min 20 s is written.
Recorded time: 11 h 58 min 20 s
